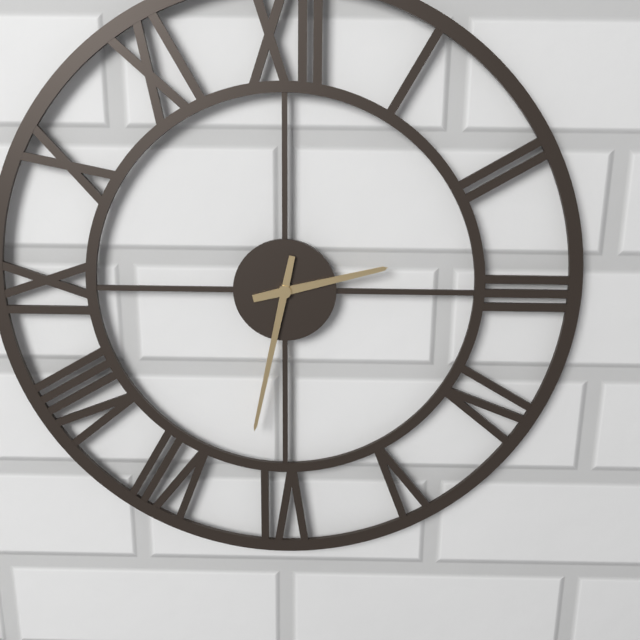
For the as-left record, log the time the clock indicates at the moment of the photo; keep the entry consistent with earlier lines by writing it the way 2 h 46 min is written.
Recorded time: 2 h 32 min
